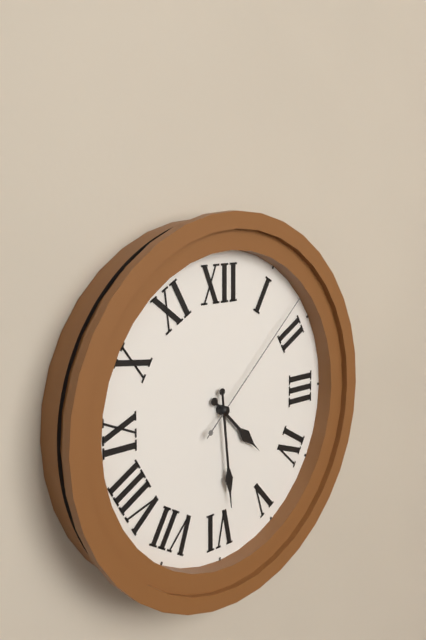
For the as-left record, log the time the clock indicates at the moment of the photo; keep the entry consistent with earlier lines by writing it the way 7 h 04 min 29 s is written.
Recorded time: 4 h 29 min 08 s
